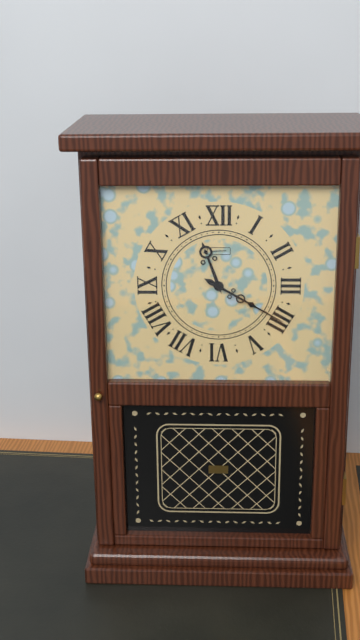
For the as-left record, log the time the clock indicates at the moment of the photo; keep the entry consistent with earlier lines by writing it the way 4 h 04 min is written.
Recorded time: 11 h 20 min
